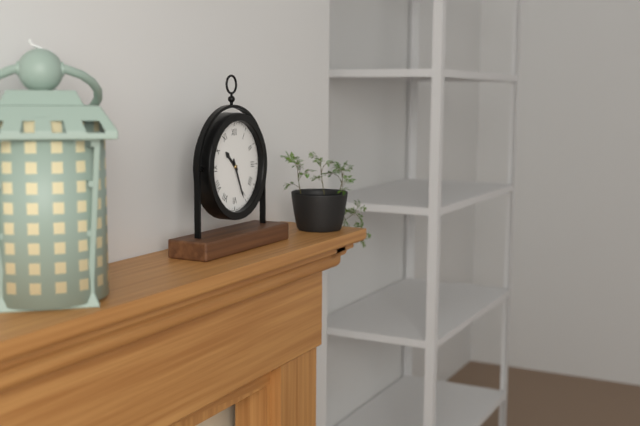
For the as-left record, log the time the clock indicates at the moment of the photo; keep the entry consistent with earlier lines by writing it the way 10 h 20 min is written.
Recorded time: 10 h 26 min
